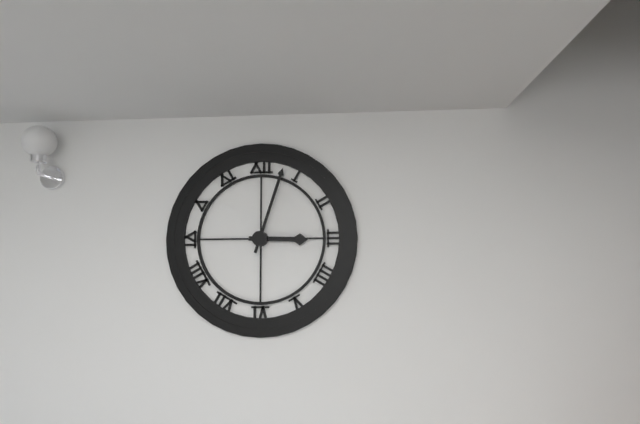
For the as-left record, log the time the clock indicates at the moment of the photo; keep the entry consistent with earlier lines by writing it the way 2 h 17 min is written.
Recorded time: 3 h 03 min
